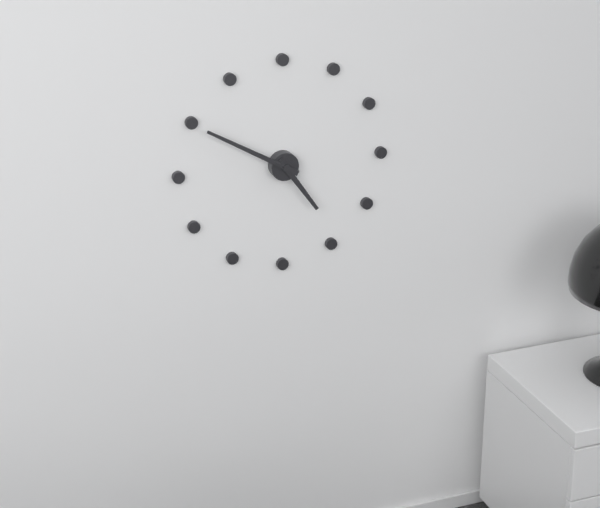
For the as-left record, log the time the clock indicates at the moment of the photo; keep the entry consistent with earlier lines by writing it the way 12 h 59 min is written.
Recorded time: 4 h 50 min
